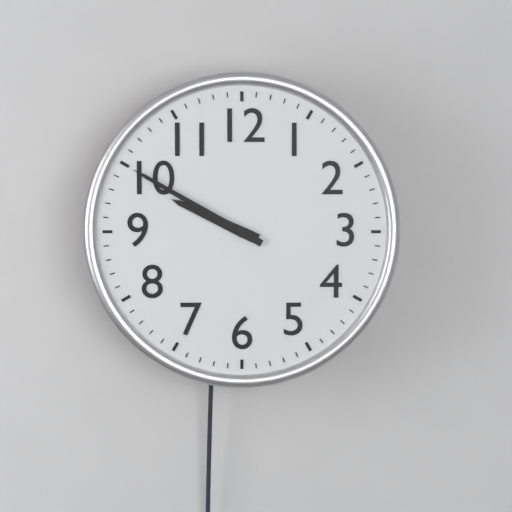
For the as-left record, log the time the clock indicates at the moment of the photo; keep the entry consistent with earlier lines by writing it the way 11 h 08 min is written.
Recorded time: 9 h 50 min
